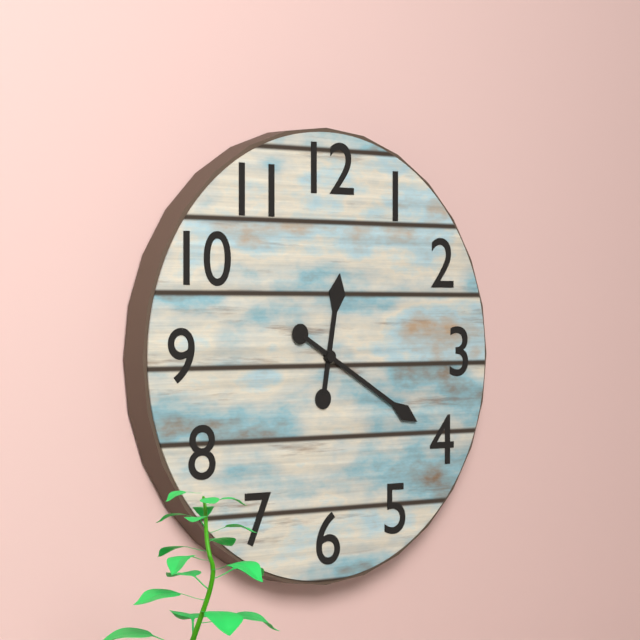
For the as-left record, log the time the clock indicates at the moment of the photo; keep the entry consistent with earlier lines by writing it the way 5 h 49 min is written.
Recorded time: 12 h 20 min
